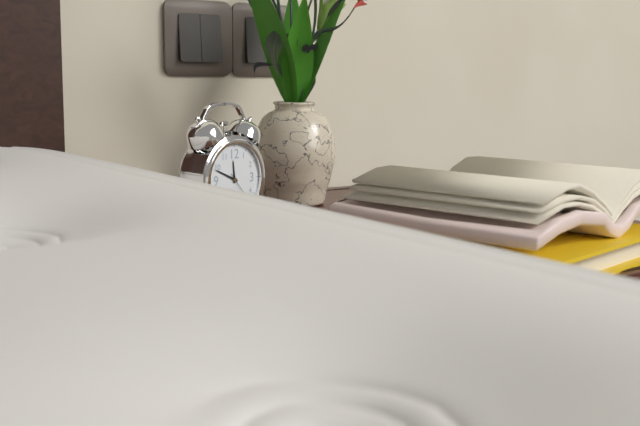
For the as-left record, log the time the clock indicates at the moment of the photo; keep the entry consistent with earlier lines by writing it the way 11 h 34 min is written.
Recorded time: 11 h 49 min
